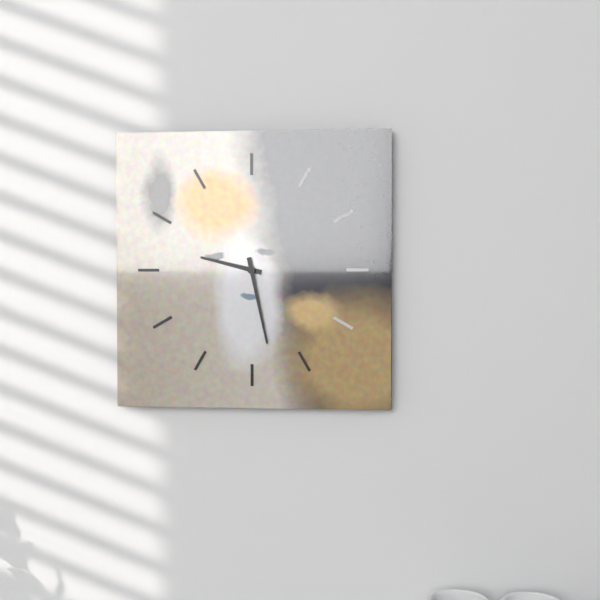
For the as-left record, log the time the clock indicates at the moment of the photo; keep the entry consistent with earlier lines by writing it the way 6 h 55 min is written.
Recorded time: 9 h 28 min
